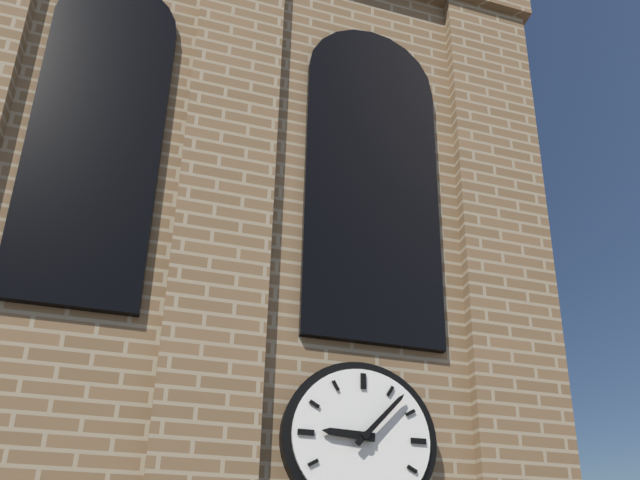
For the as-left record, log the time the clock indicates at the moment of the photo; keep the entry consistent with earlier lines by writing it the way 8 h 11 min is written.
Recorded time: 9 h 07 min
